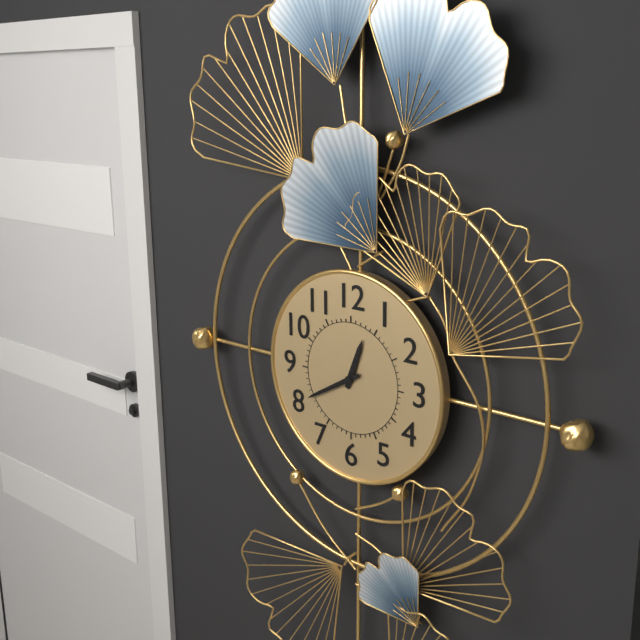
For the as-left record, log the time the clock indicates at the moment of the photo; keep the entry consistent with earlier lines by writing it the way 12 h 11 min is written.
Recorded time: 12 h 40 min
